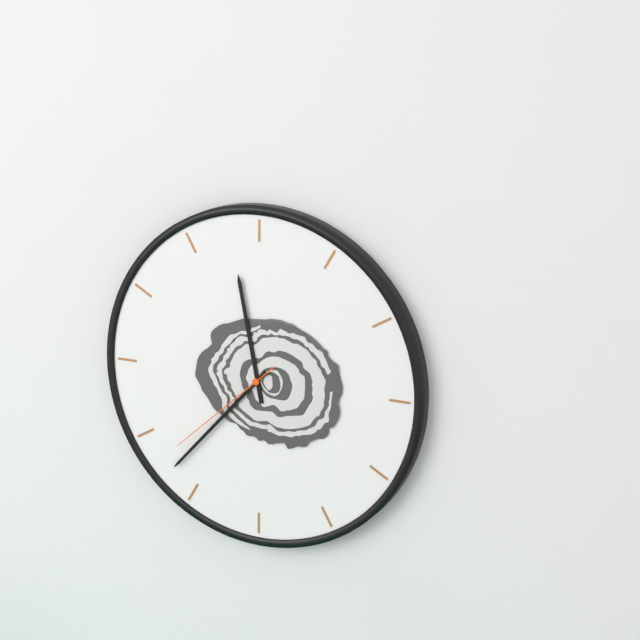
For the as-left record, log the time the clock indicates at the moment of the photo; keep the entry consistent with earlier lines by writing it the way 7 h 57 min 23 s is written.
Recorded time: 11 h 37 min 38 s
